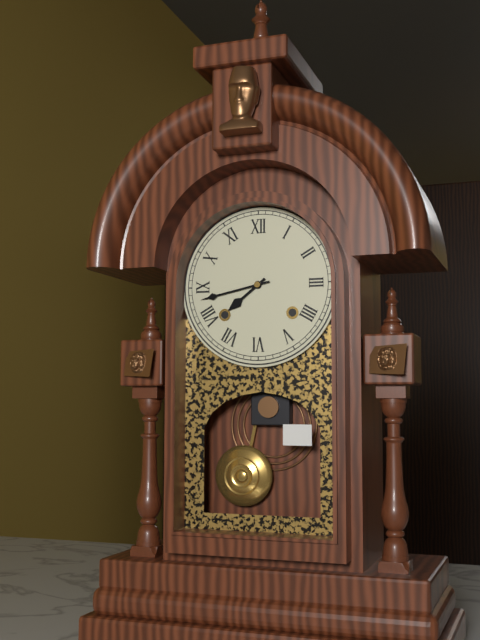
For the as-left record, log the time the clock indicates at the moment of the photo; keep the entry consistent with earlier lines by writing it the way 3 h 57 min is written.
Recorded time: 7 h 43 min
